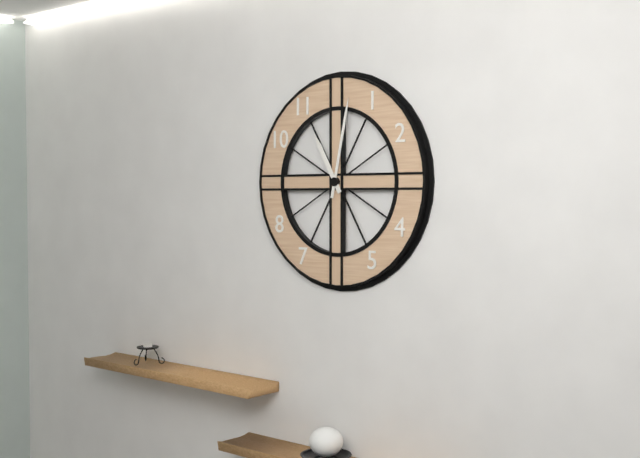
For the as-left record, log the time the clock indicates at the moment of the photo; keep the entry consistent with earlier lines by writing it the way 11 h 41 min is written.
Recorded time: 11 h 02 min
